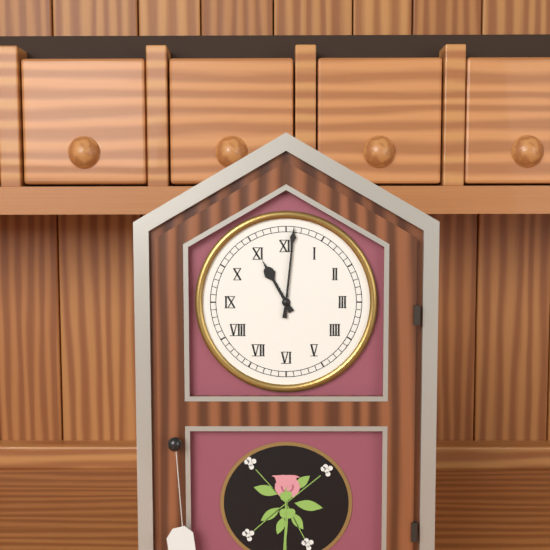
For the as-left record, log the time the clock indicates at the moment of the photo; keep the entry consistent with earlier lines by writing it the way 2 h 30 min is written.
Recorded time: 11 h 01 min
